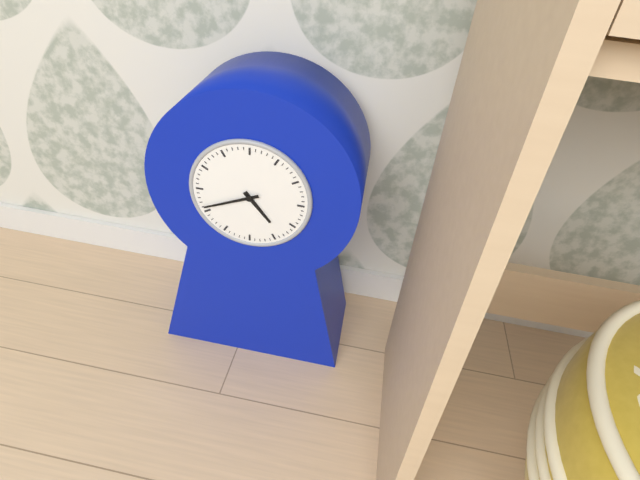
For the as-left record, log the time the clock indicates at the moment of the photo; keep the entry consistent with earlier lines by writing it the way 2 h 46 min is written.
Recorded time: 4 h 41 min
